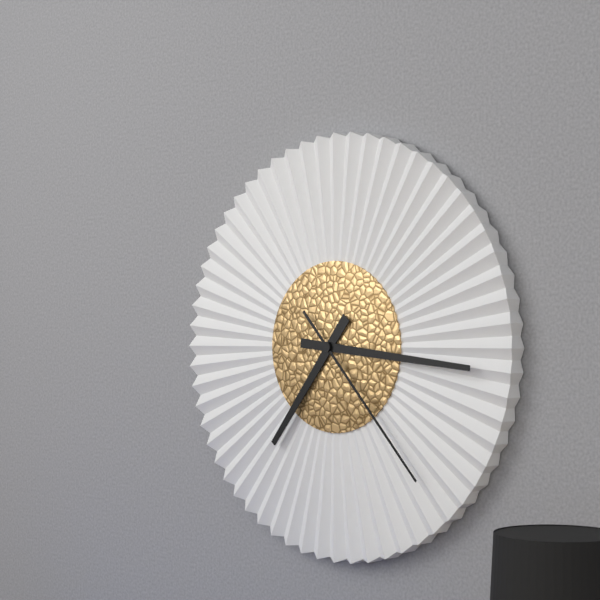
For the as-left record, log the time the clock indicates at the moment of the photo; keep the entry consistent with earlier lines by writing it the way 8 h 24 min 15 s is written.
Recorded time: 7 h 16 min 23 s
